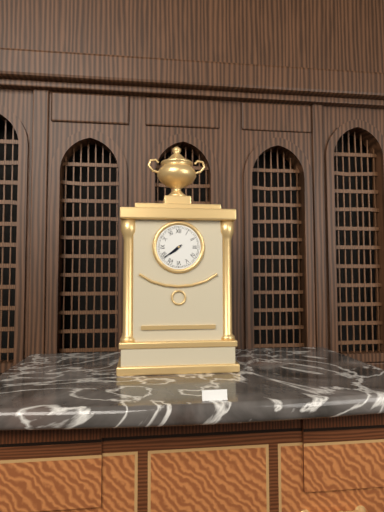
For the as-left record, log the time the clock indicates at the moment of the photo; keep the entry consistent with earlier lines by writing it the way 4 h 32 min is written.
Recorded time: 7 h 39 min
